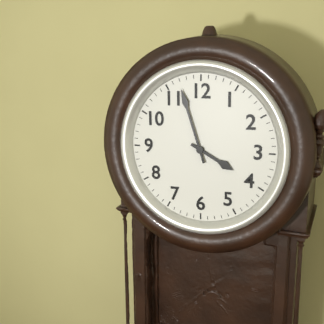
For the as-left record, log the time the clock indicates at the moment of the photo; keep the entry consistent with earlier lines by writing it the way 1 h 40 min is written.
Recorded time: 3 h 57 min
